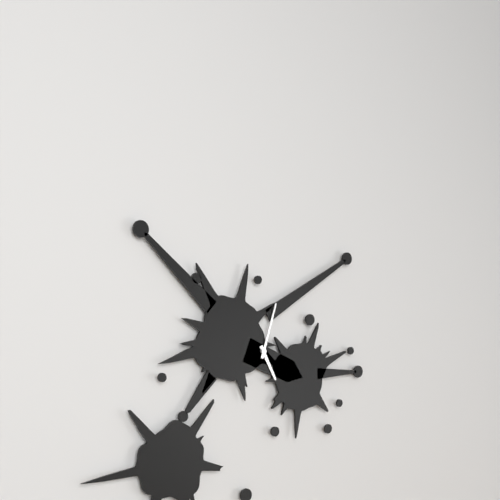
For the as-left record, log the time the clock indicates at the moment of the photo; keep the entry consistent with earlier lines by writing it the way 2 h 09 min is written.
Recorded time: 5 h 03 min
